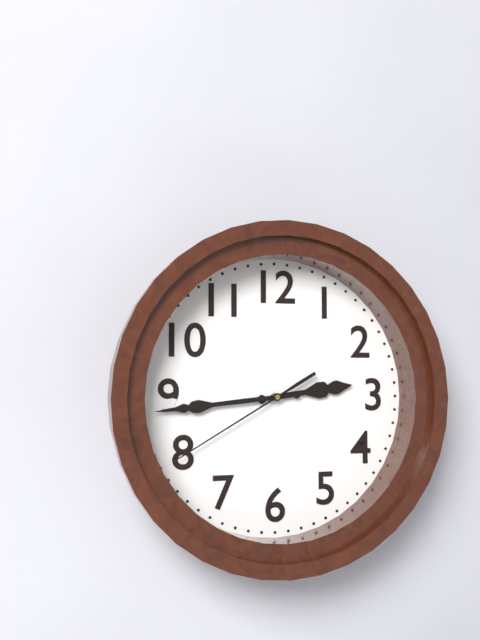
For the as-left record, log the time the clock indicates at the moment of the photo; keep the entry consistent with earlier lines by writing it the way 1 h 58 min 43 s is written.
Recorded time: 2 h 44 min 40 s
